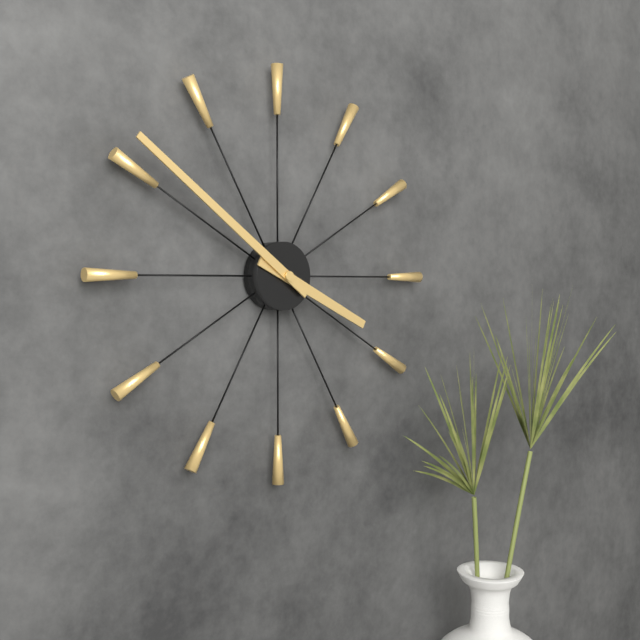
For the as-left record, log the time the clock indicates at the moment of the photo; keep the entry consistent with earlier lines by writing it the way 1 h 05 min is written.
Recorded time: 3 h 51 min
